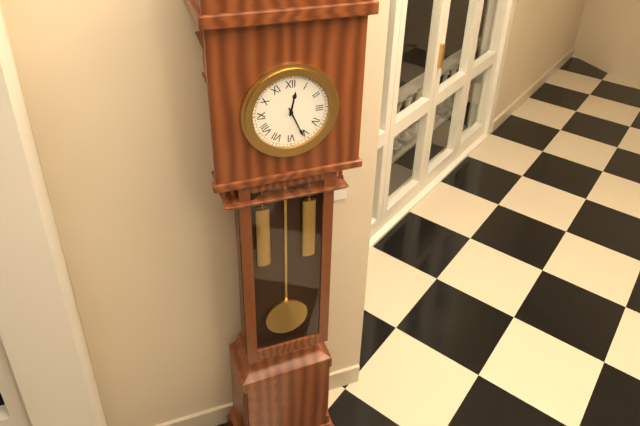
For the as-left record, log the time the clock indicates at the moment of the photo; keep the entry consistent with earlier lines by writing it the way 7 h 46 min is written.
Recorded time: 12 h 26 min
